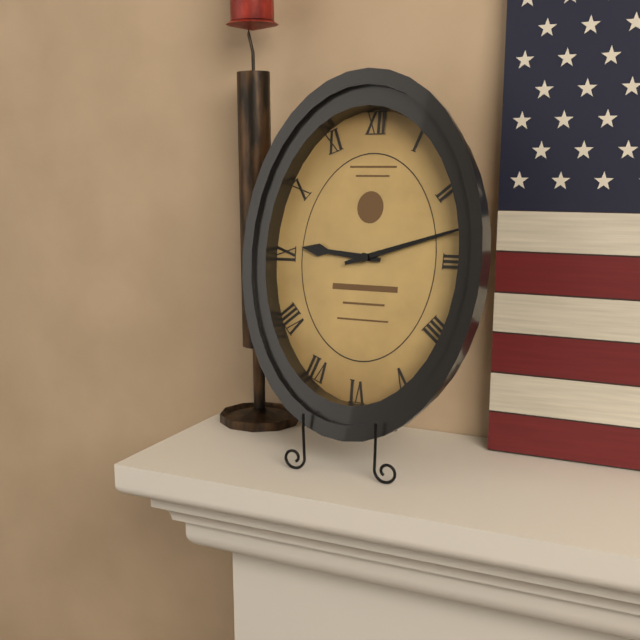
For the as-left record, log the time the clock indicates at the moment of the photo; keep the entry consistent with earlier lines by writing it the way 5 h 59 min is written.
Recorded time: 9 h 12 min
